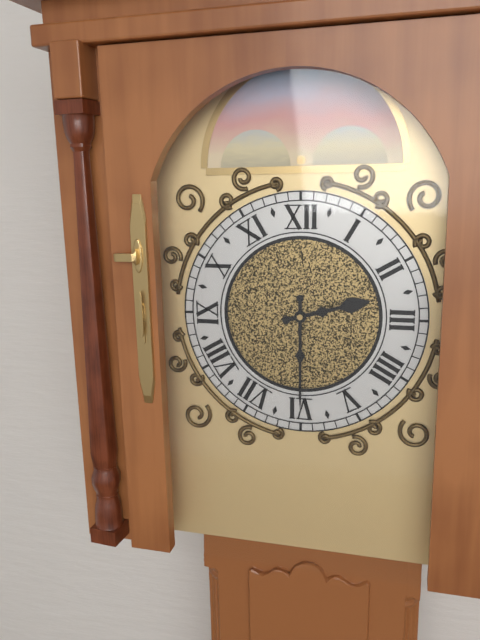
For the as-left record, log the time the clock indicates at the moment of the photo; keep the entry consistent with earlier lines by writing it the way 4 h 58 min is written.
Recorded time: 2 h 30 min
